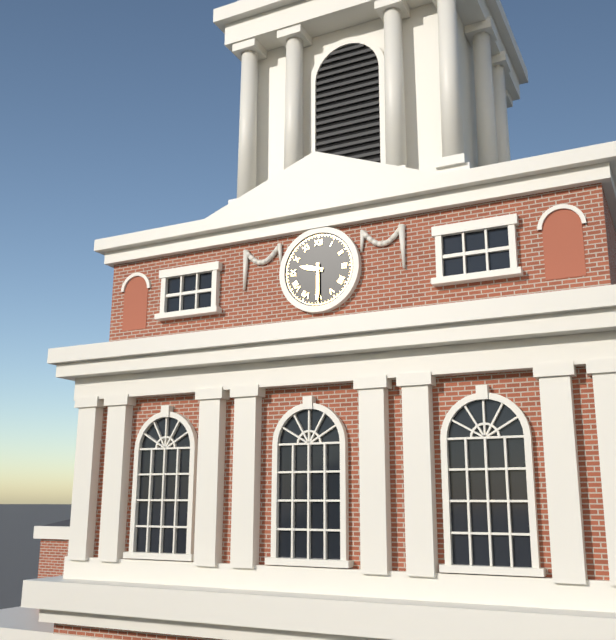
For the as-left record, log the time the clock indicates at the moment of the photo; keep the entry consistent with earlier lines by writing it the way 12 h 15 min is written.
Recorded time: 9 h 30 min
